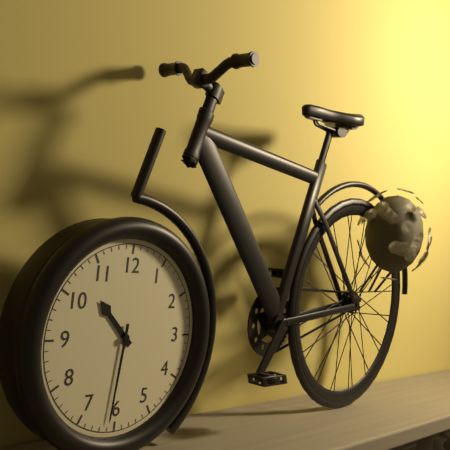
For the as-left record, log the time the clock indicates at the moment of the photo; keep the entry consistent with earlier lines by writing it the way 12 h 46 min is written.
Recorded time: 10 h 31 min
